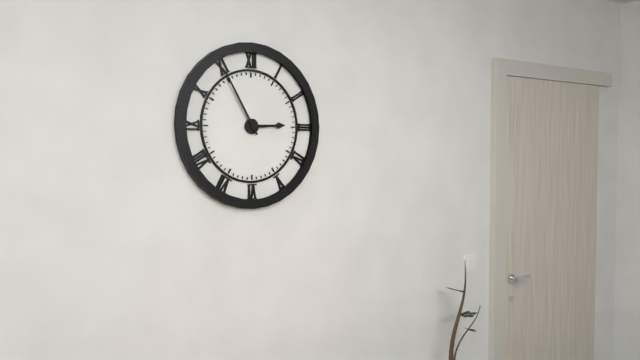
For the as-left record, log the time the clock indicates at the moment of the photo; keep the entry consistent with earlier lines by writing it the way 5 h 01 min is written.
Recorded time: 2 h 55 min
